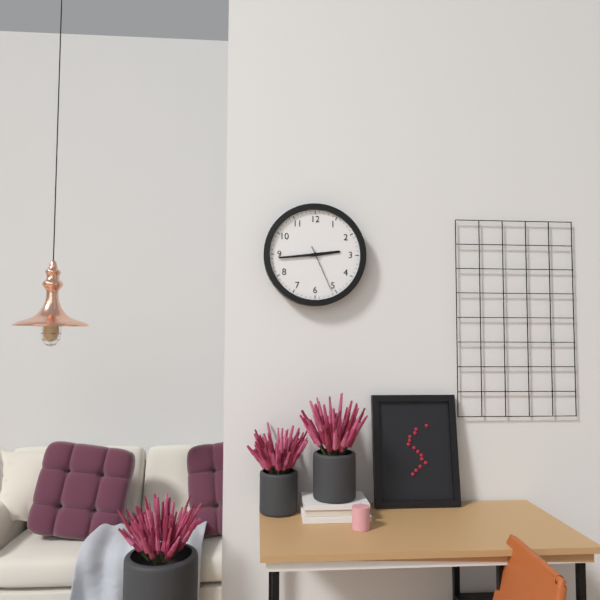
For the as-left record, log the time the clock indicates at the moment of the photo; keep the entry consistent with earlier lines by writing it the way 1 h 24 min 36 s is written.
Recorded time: 2 h 44 min 26 s
